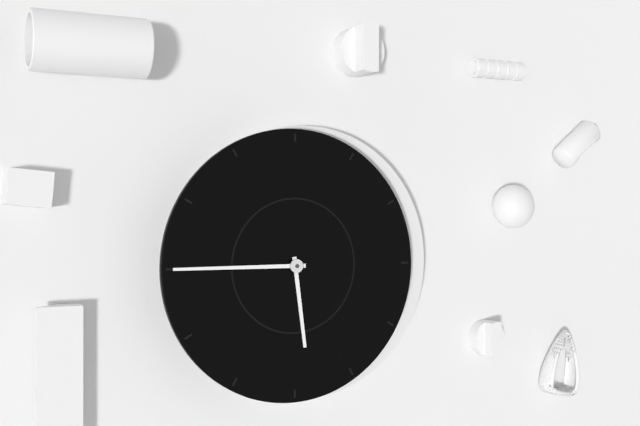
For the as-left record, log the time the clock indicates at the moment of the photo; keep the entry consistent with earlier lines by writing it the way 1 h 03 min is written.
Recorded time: 5 h 45 min
